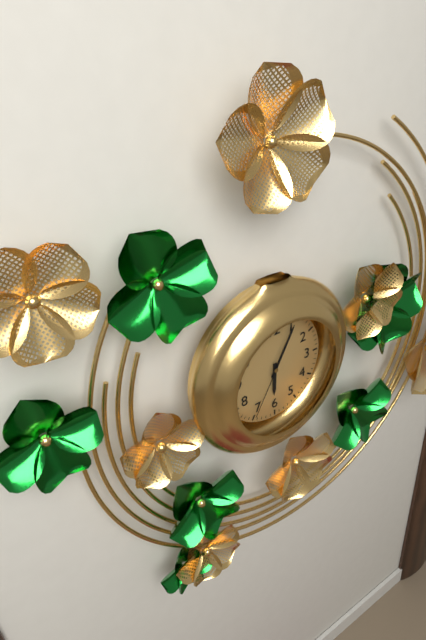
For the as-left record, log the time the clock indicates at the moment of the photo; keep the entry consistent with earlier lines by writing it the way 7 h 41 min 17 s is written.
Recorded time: 6 h 05 min 35 s
